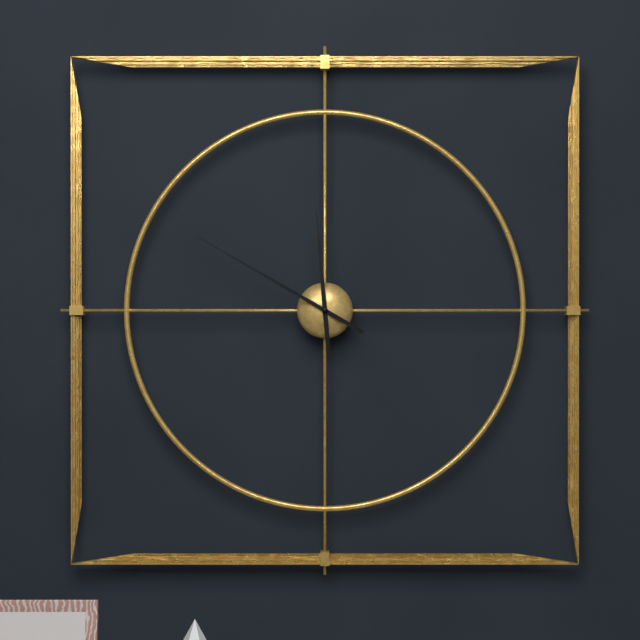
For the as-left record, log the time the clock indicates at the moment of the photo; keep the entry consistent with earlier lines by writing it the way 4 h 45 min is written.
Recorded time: 11 h 50 min
